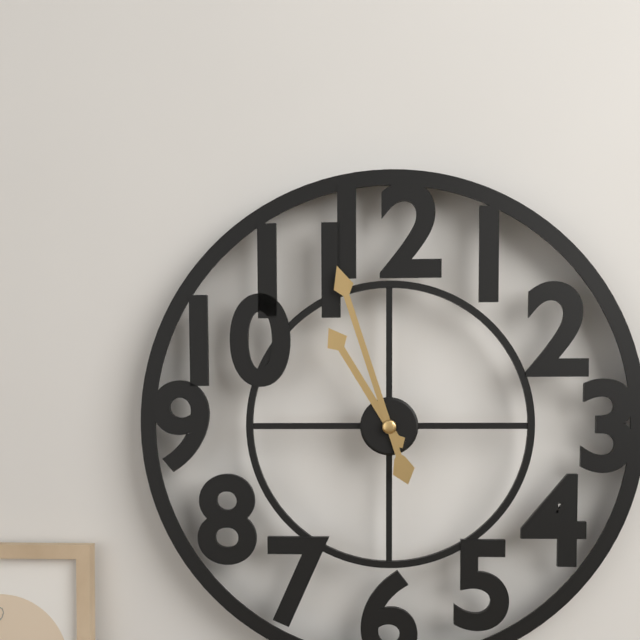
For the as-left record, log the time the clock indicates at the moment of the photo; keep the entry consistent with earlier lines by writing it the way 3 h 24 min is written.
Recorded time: 10 h 57 min
